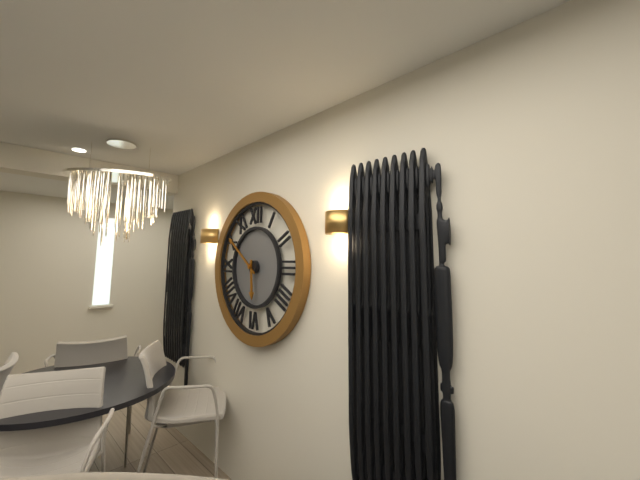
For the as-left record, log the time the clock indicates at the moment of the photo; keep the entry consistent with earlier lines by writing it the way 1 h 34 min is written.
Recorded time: 5 h 51 min
